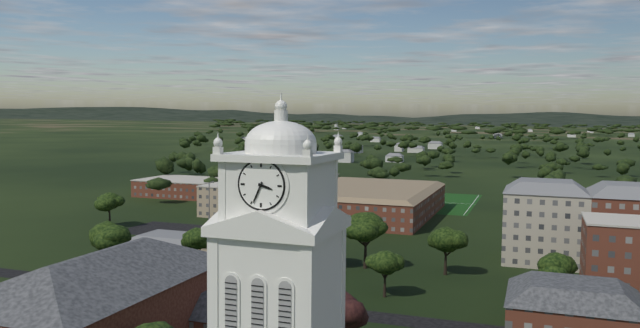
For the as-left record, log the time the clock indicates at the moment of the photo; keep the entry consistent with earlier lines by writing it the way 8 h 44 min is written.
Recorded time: 3 h 34 min
